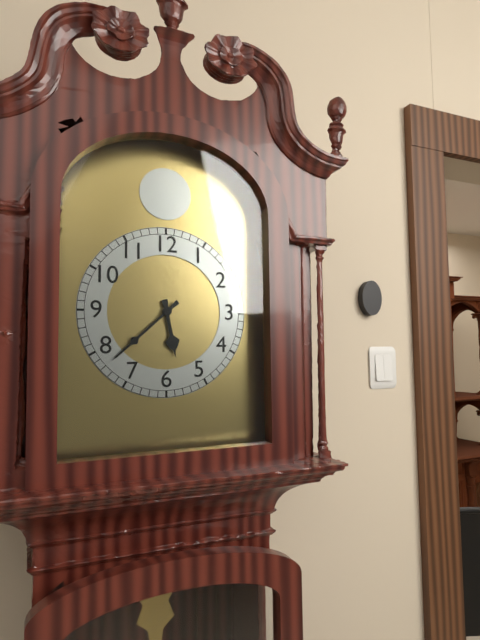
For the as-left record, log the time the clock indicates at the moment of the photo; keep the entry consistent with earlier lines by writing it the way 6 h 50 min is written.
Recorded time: 5 h 38 min
